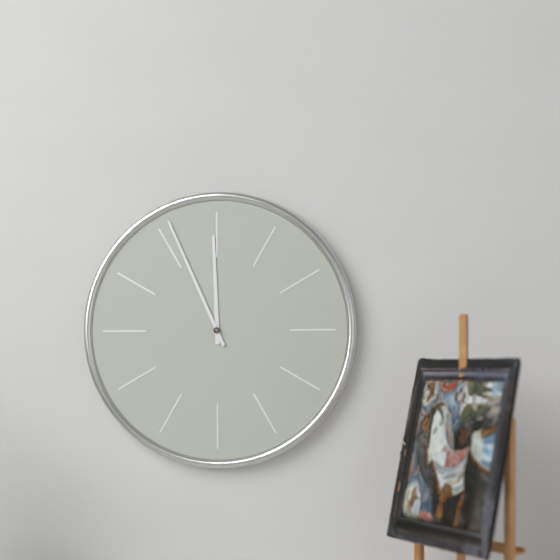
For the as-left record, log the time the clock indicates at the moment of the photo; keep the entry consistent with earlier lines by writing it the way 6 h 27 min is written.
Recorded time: 11 h 56 min
